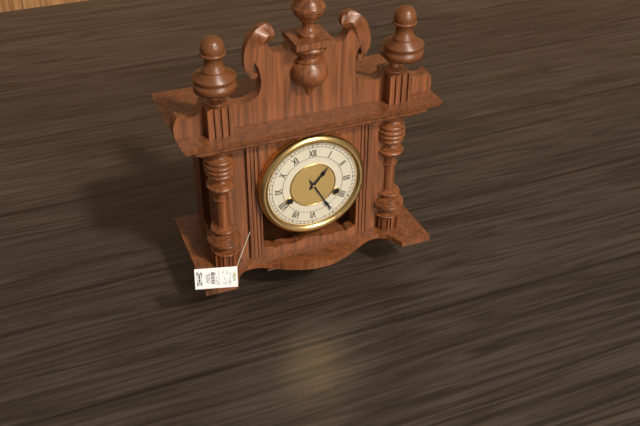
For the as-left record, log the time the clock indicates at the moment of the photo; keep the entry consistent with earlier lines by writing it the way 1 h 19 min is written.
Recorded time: 1 h 25 min
